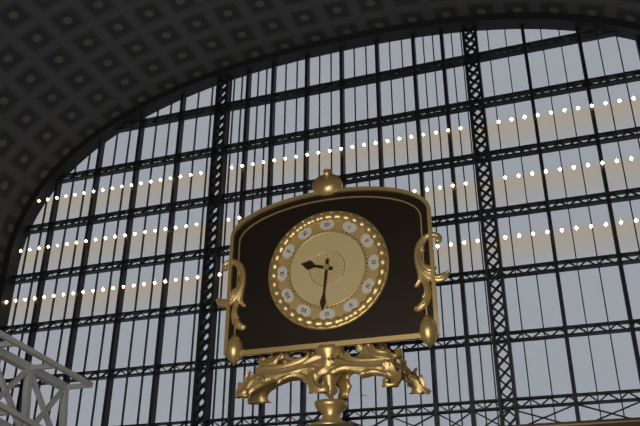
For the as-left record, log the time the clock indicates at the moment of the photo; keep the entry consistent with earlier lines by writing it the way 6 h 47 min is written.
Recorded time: 9 h 31 min
